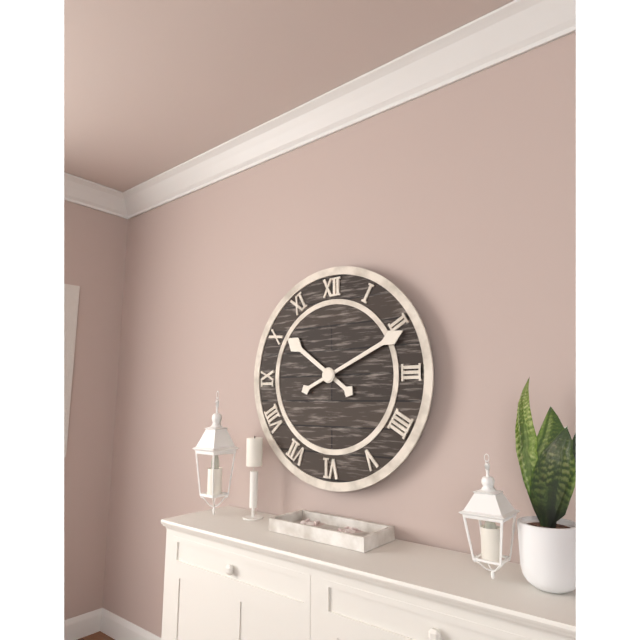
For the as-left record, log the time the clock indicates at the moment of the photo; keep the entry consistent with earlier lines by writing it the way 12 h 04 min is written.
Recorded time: 10 h 11 min
